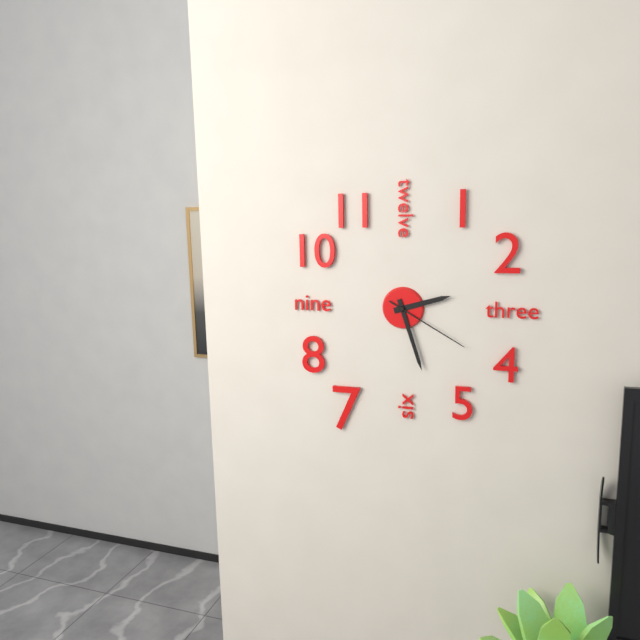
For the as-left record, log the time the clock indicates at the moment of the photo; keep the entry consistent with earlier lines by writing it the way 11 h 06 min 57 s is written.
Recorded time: 2 h 27 min 20 s
